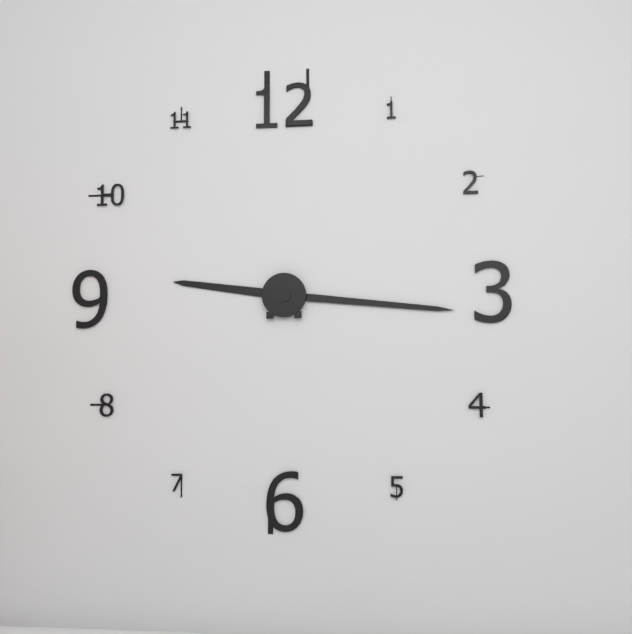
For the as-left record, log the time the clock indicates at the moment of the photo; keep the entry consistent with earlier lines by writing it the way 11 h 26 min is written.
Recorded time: 9 h 16 min
